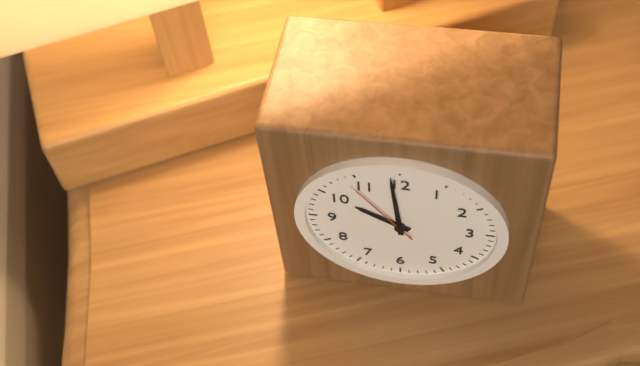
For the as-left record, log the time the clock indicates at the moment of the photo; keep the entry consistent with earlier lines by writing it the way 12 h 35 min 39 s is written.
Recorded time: 9 h 59 min 54 s
